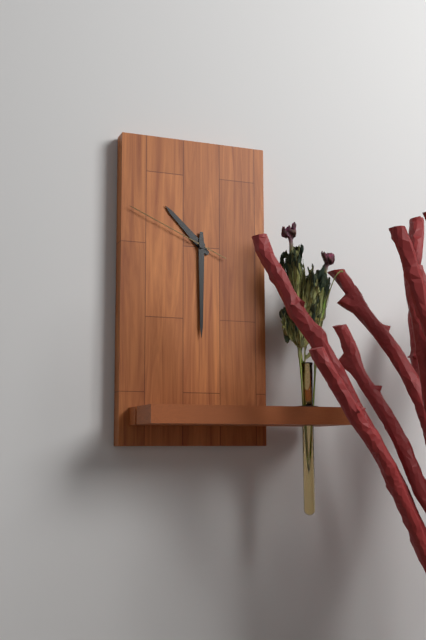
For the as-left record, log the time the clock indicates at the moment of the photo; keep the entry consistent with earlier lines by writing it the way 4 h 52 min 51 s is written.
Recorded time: 10 h 30 min 49 s
